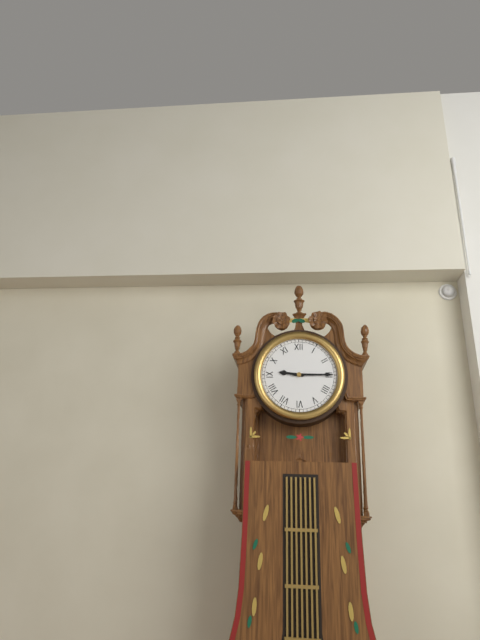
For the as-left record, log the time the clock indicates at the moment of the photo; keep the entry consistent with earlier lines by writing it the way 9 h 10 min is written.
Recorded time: 9 h 15 min
